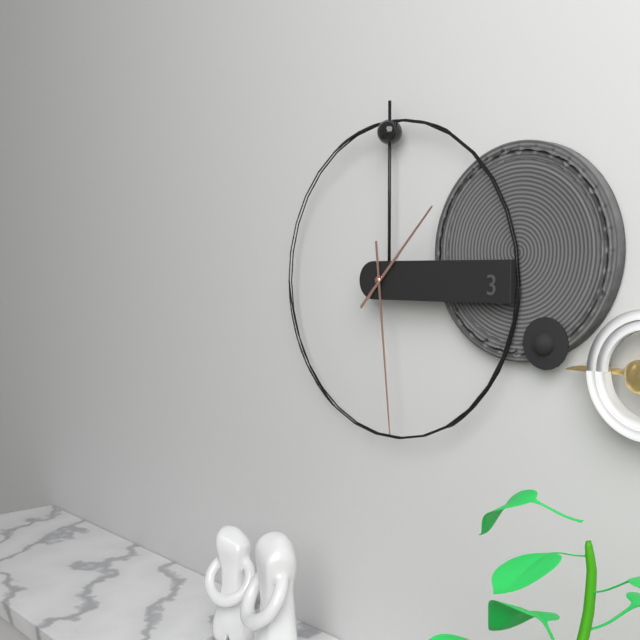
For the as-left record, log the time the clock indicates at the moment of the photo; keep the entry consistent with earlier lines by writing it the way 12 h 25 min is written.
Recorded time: 1 h 29 min
